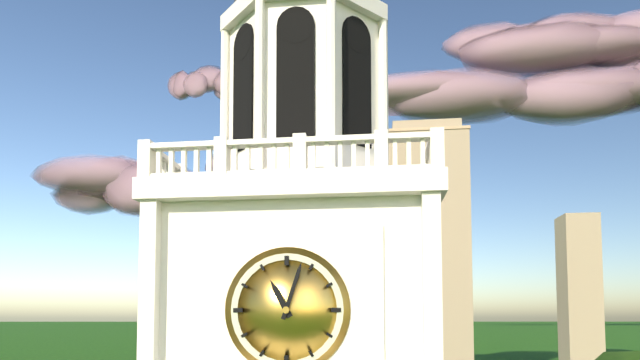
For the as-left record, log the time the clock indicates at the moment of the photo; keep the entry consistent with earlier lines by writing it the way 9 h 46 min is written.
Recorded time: 11 h 03 min
